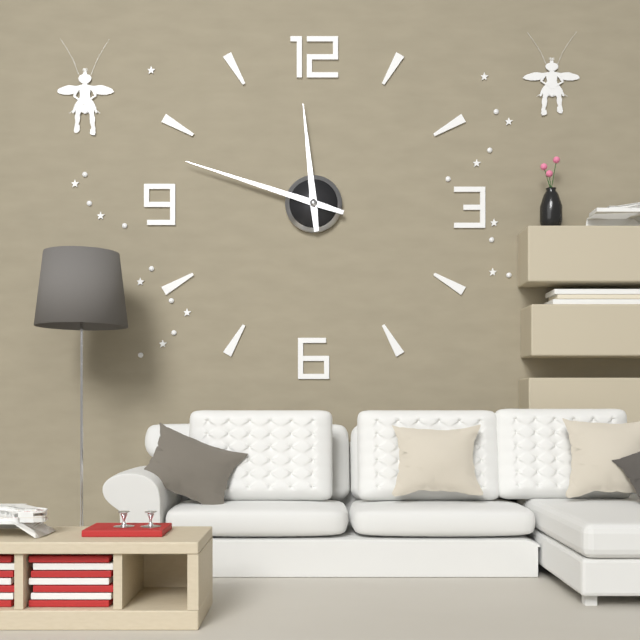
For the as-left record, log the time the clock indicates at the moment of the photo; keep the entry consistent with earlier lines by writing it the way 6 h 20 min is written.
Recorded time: 11 h 48 min
